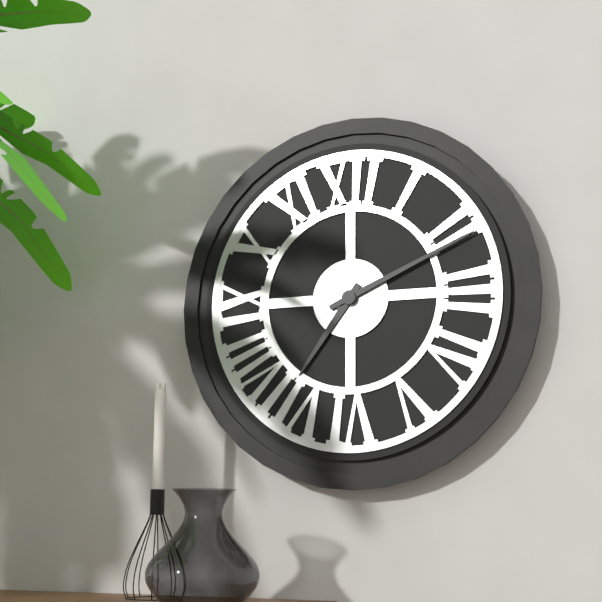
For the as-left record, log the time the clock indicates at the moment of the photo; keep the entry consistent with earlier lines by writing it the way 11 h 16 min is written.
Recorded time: 7 h 11 min
